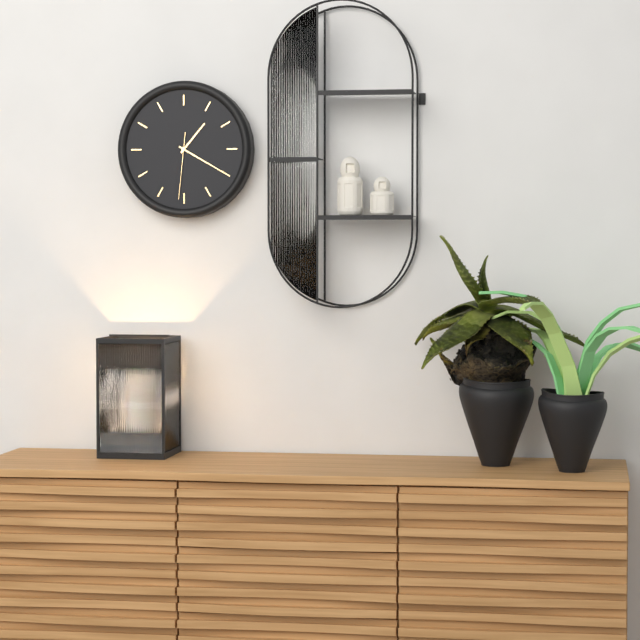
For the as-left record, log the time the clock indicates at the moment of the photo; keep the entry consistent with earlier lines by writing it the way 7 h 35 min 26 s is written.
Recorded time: 1 h 20 min 31 s
